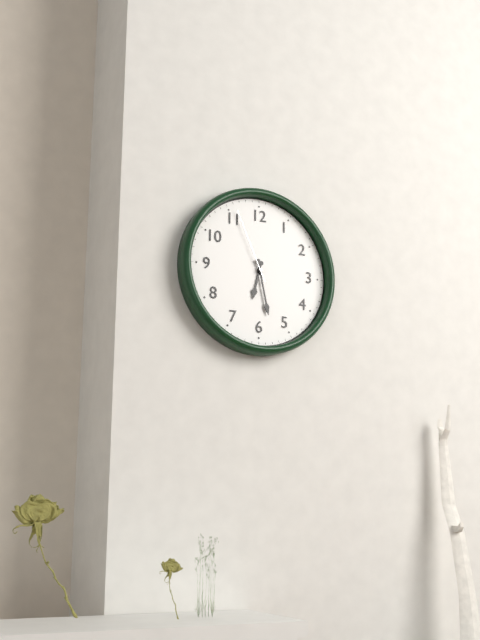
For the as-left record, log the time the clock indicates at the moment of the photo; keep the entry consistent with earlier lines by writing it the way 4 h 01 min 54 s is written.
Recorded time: 6 h 28 min 56 s
